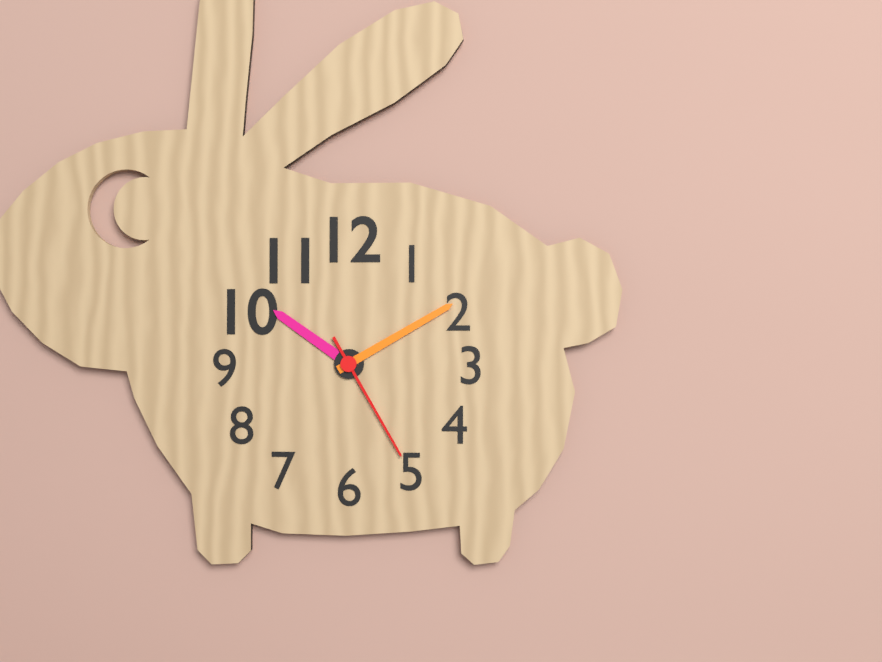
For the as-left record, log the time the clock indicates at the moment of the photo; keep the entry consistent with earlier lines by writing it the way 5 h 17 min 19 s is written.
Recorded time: 10 h 10 min 25 s
